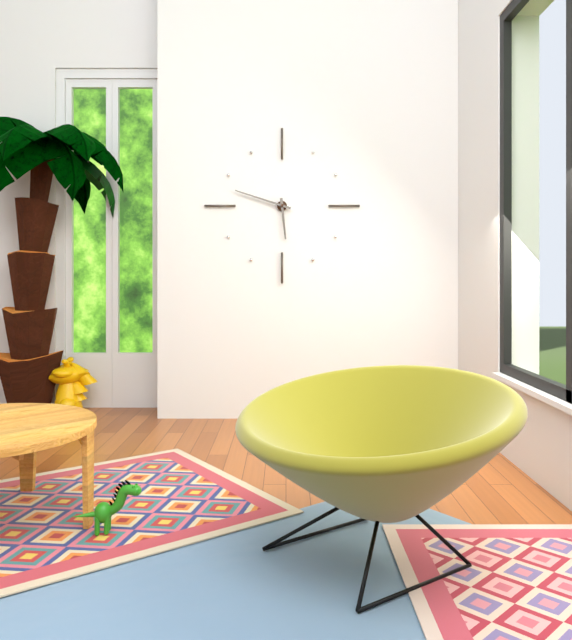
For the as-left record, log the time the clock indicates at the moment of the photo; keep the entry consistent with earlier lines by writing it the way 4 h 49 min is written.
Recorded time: 5 h 48 min
